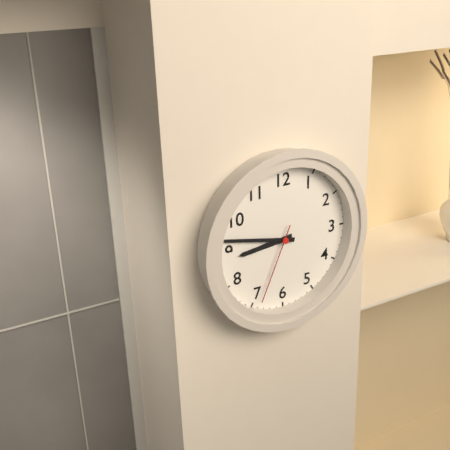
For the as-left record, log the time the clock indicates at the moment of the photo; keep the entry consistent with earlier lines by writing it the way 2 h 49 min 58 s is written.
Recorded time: 8 h 47 min 34 s
